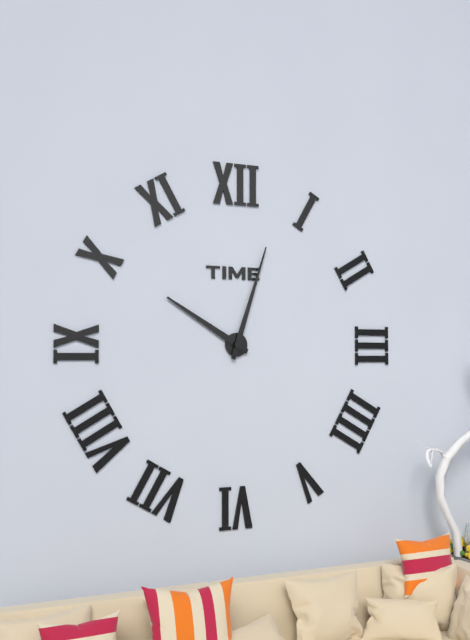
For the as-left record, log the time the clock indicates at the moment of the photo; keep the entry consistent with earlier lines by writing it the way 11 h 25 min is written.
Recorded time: 10 h 03 min
